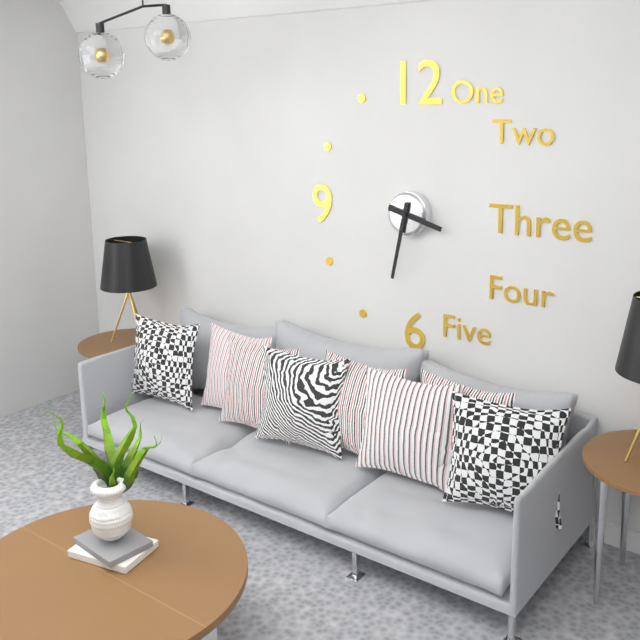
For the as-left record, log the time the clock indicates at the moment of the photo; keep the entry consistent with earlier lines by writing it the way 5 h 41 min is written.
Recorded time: 3 h 32 min
